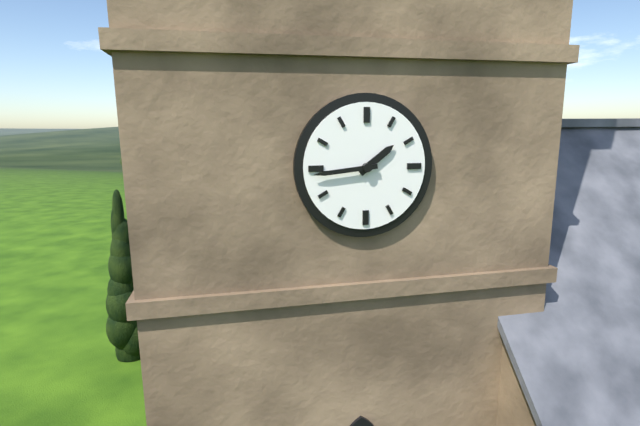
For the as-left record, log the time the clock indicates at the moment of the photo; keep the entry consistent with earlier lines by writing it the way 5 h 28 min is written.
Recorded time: 1 h 44 min
